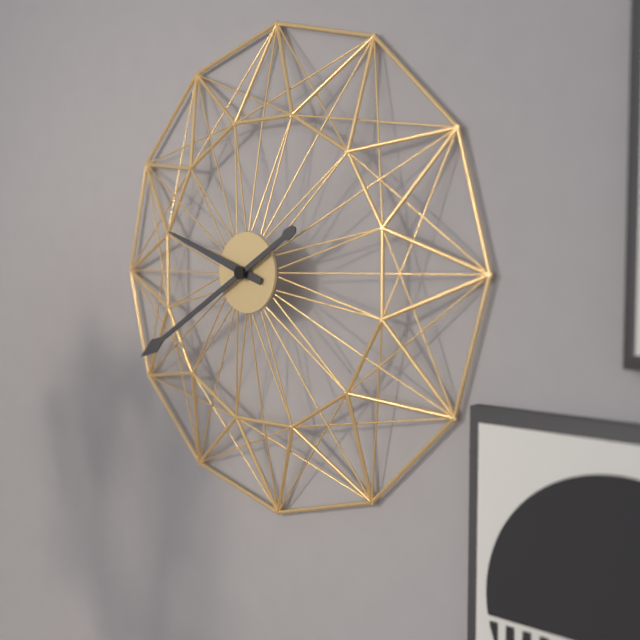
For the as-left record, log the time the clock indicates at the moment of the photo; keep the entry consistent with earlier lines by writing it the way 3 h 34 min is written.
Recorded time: 9 h 40 min
